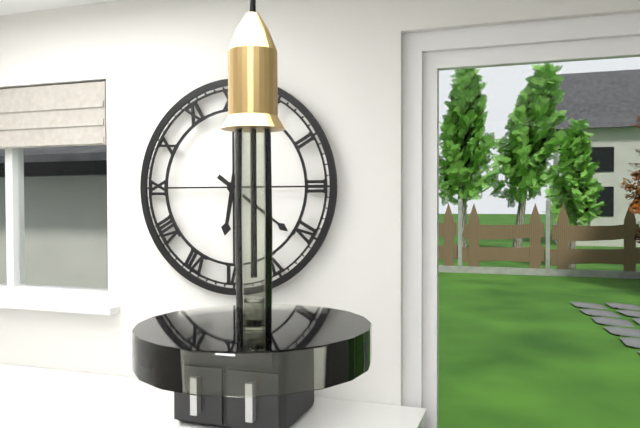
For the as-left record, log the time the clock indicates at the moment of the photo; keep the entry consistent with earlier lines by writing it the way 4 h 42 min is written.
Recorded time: 6 h 21 min
